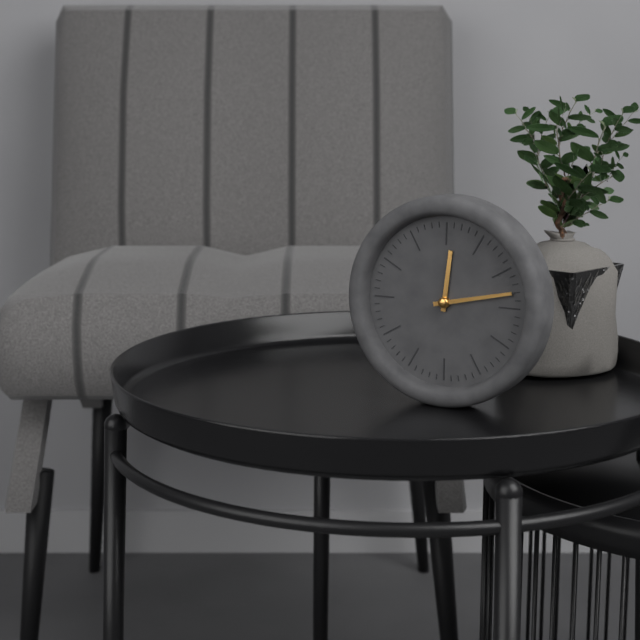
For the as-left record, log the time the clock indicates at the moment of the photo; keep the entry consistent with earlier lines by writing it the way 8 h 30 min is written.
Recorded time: 12 h 13 min
